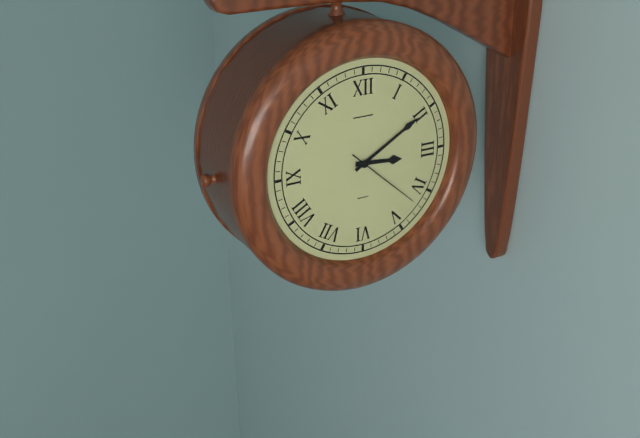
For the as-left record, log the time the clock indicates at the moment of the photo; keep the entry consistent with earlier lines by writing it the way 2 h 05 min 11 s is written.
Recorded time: 3 h 10 min 22 s
